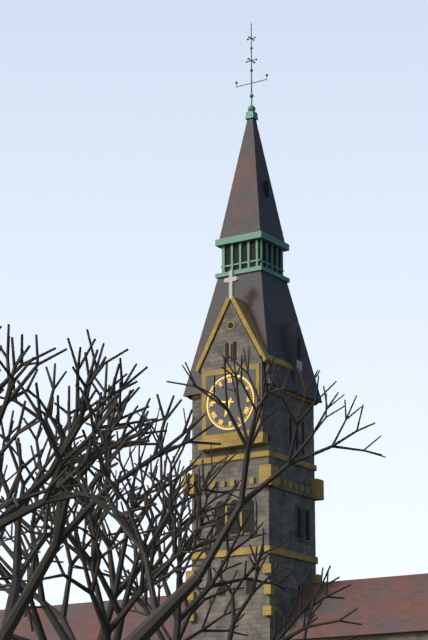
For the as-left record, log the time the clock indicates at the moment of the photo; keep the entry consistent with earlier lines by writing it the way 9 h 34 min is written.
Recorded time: 6 h 46 min
